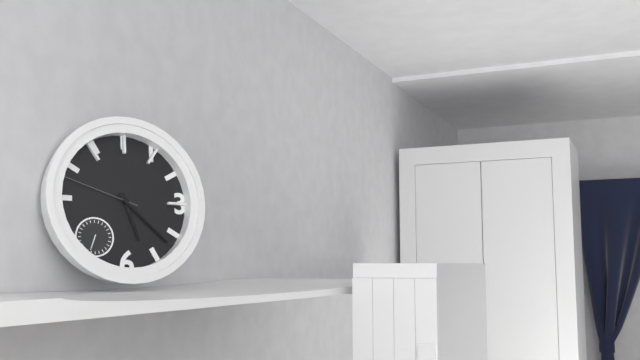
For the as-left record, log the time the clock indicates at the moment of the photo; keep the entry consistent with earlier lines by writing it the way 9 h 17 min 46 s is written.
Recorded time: 5 h 22 min 48 s
